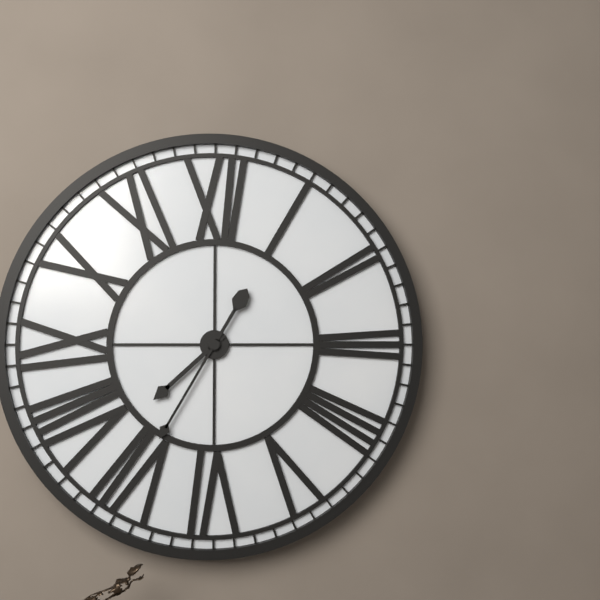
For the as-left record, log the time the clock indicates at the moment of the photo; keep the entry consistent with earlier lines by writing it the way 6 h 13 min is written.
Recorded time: 7 h 35 min
